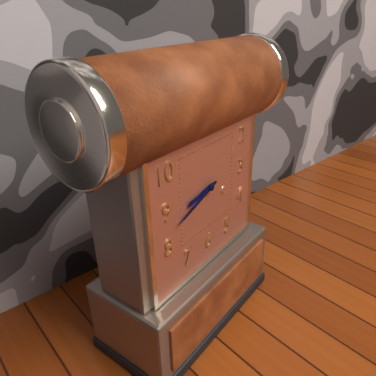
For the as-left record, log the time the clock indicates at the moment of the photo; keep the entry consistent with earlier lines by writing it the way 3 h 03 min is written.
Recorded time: 8 h 42 min
